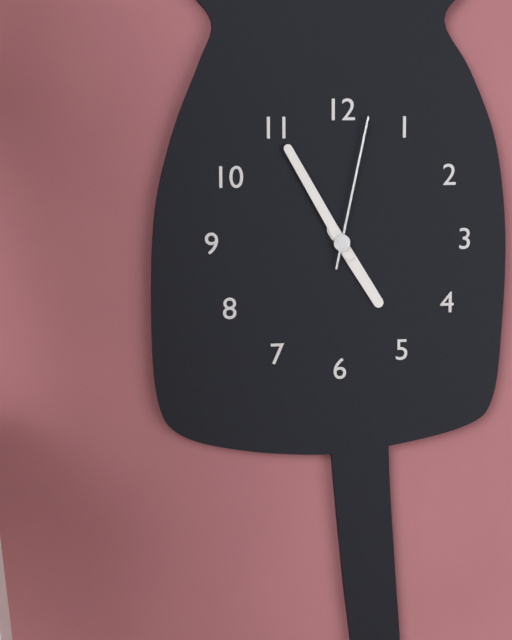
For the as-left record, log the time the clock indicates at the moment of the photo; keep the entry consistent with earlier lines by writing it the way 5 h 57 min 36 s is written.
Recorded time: 4 h 55 min 02 s
